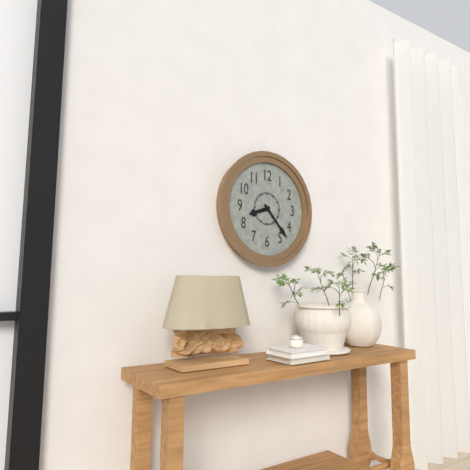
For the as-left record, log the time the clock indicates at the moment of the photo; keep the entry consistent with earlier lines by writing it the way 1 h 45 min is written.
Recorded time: 8 h 23 min
